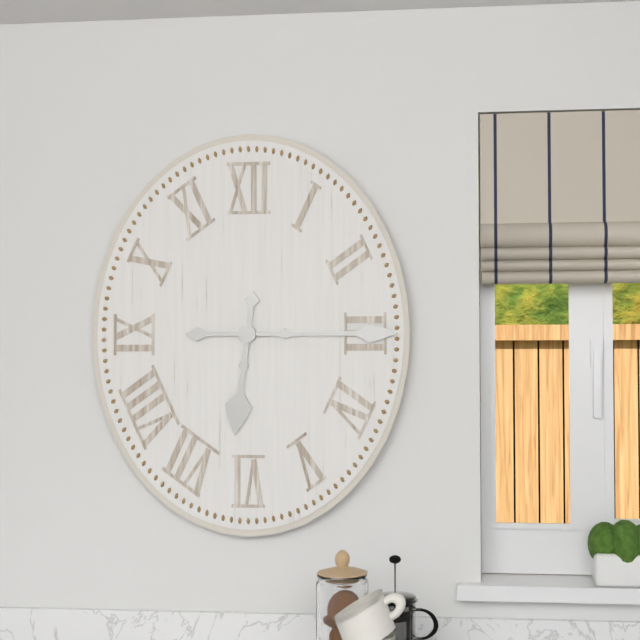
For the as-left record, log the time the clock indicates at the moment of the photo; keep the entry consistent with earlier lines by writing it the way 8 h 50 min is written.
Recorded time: 6 h 15 min
